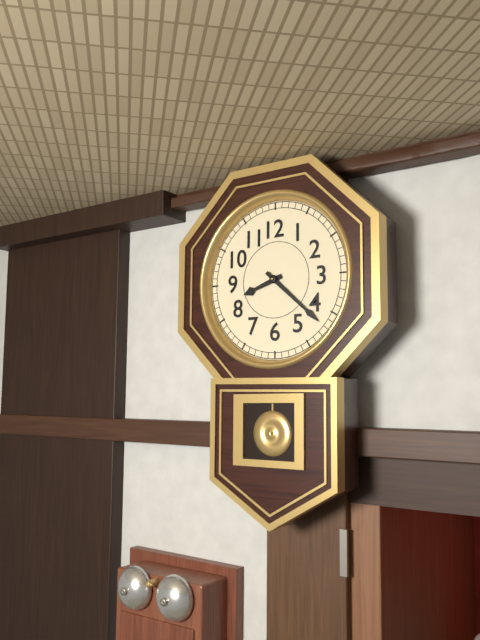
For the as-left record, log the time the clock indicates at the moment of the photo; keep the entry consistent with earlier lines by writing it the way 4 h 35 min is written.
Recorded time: 8 h 22 min
